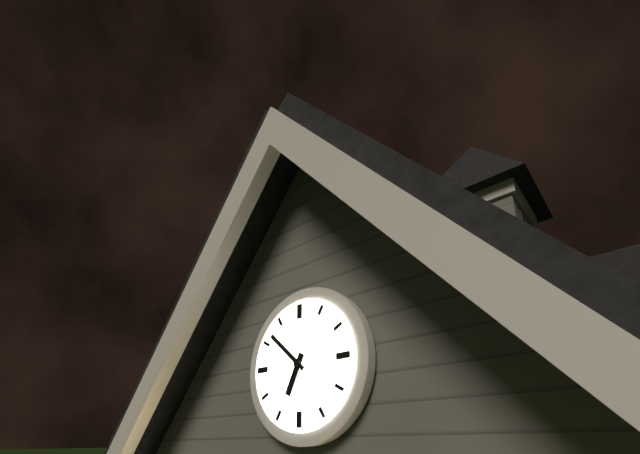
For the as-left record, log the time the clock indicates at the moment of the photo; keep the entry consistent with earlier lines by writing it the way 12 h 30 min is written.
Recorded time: 6 h 52 min
